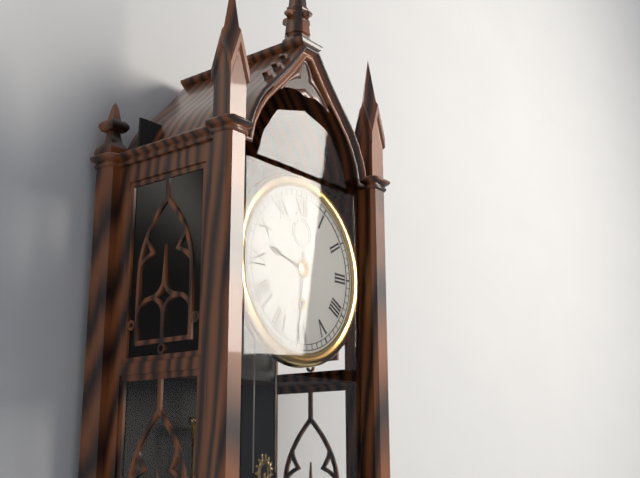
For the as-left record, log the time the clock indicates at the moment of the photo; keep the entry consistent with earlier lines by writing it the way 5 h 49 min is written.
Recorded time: 9 h 31 min
